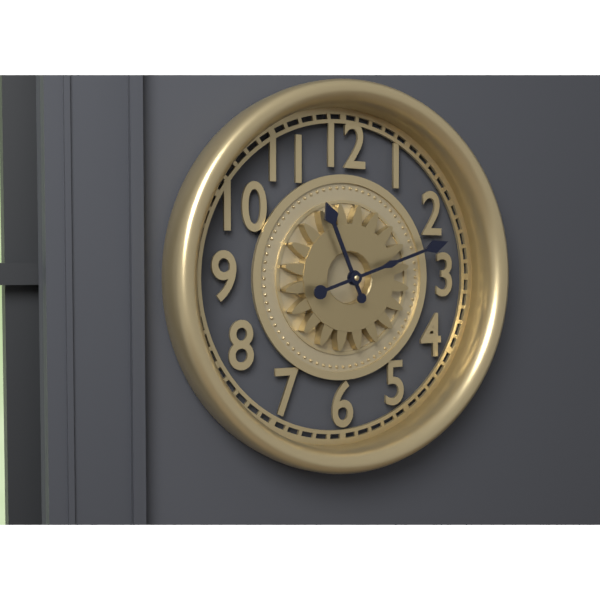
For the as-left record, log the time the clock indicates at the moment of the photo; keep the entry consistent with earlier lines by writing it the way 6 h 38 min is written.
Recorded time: 11 h 12 min
